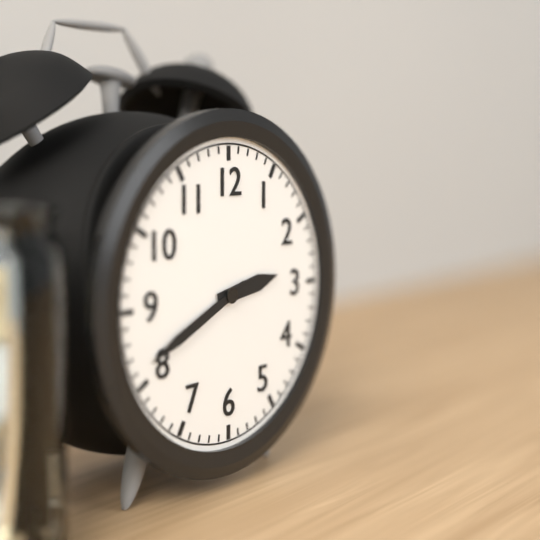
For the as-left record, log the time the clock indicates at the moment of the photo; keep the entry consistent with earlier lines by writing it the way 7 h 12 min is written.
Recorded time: 2 h 41 min
